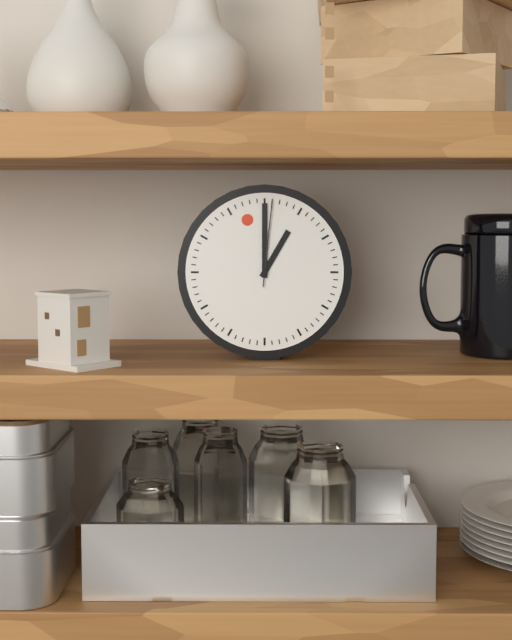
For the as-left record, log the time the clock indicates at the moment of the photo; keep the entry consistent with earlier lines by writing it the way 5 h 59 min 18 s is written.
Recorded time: 1 h 00 min 01 s
